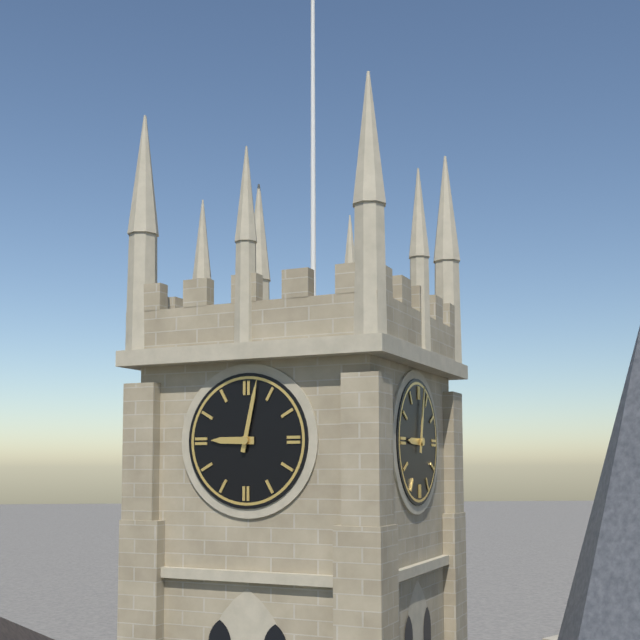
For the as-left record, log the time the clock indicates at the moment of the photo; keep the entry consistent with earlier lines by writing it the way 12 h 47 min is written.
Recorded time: 9 h 02 min
